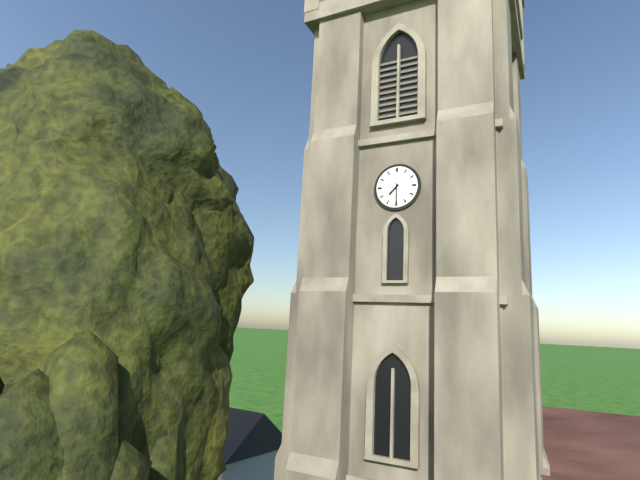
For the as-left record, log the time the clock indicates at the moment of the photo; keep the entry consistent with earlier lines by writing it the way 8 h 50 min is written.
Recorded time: 7 h 30 min
